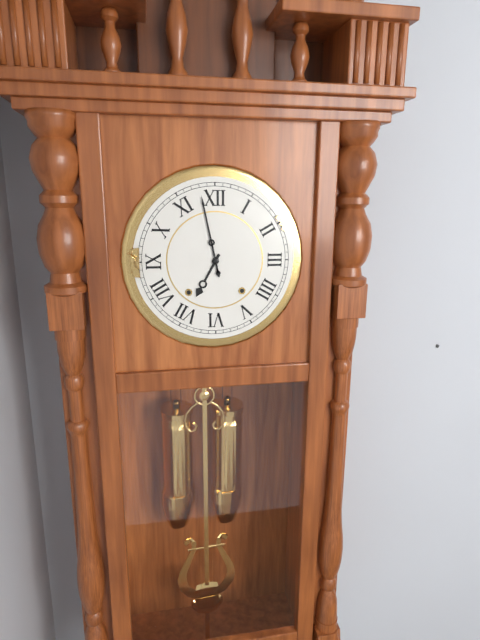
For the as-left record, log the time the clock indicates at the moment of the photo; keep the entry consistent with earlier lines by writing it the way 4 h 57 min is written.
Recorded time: 6 h 58 min
